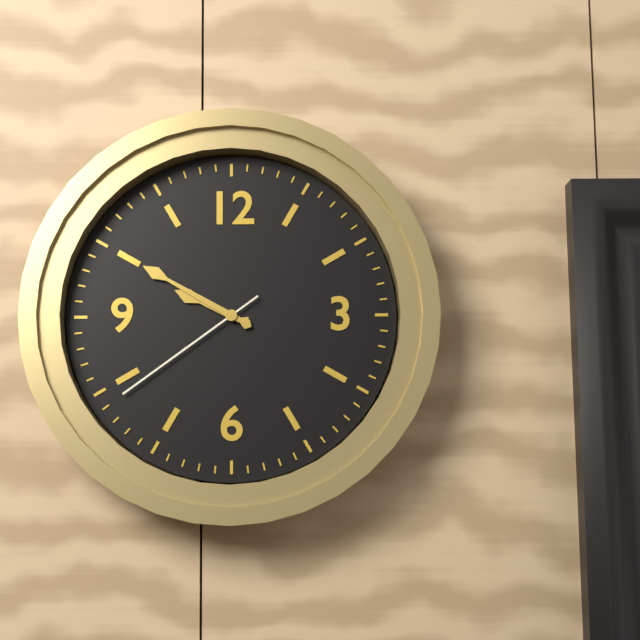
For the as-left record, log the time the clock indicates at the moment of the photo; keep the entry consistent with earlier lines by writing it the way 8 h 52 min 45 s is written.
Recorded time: 9 h 50 min 39 s
